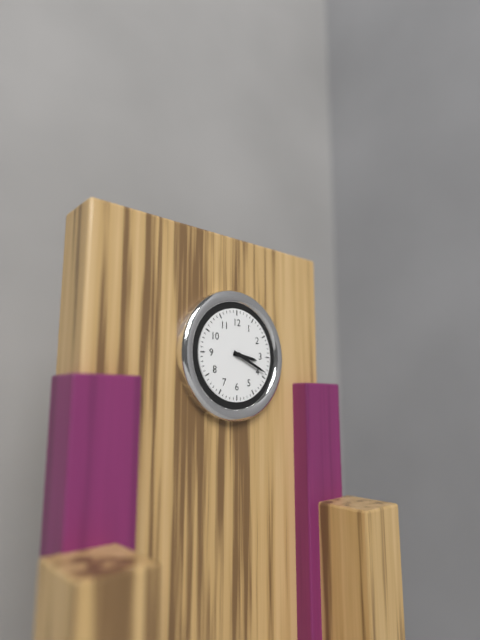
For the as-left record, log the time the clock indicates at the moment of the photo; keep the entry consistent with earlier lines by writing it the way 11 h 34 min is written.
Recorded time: 3 h 19 min
